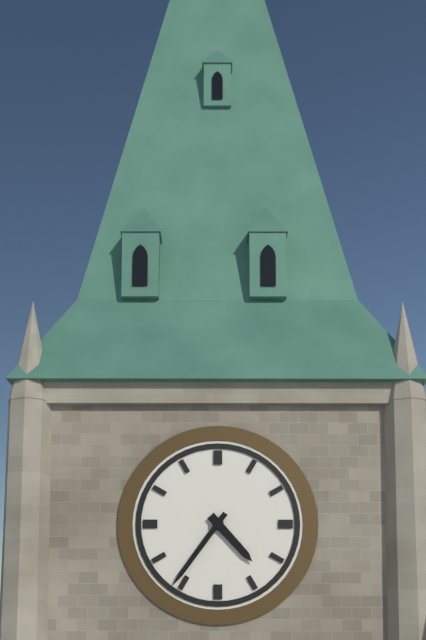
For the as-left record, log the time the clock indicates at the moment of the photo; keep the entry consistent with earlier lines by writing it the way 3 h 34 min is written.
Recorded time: 4 h 36 min
